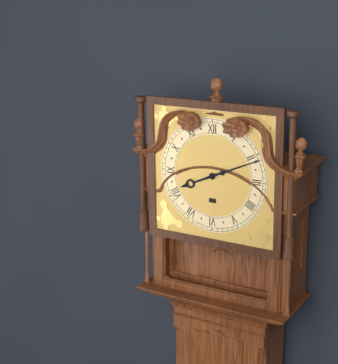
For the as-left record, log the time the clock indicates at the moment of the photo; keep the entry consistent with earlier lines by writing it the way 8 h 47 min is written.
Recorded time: 8 h 11 min
